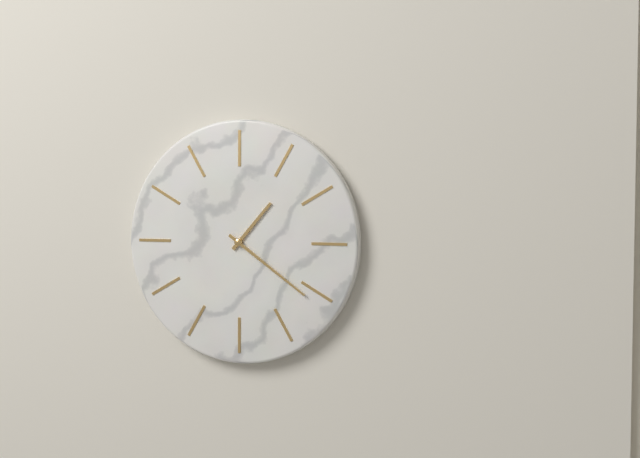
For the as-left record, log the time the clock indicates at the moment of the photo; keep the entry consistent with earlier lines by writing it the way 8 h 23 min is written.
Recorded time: 1 h 21 min
